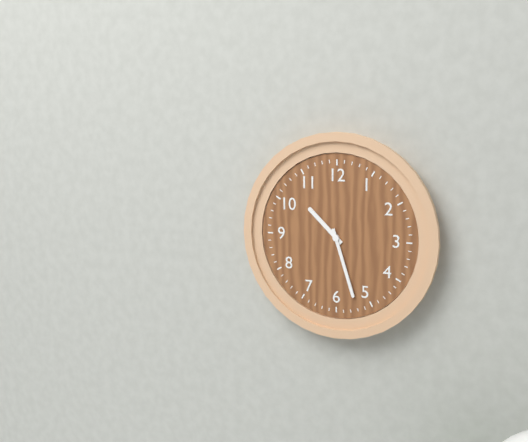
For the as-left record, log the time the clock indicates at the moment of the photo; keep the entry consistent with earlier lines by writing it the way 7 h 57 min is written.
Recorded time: 10 h 27 min
